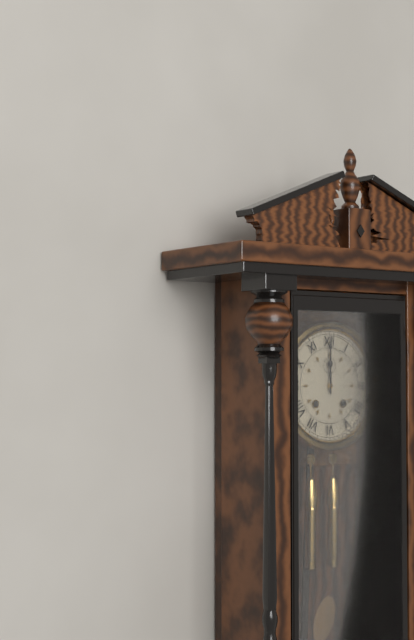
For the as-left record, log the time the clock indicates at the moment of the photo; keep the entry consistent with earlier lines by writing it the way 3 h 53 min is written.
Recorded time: 12 h 00 min
